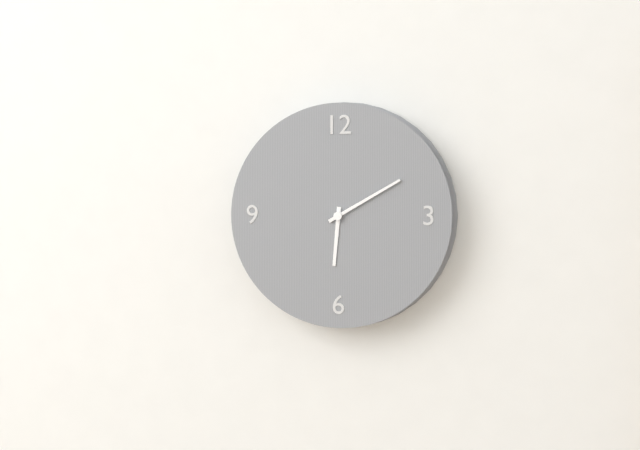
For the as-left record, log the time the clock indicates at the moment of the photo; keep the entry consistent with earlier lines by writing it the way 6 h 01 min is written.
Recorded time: 6 h 10 min
